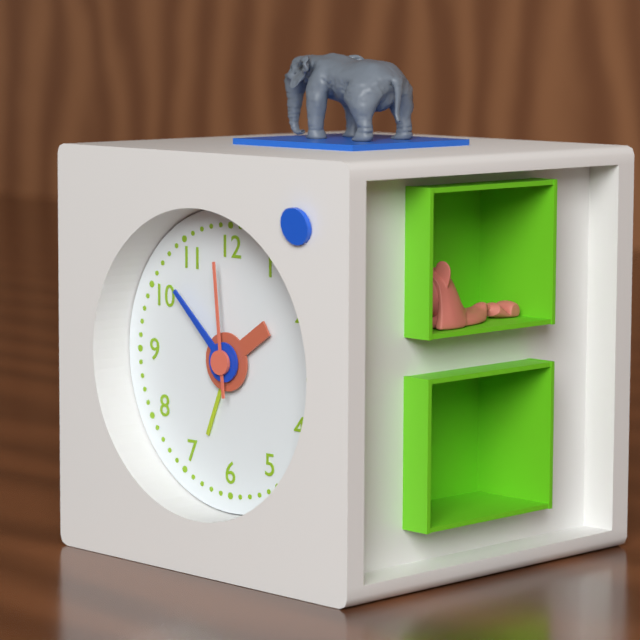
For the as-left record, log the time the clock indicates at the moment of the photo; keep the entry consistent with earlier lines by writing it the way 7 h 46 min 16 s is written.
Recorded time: 1 h 52 min 59 s
